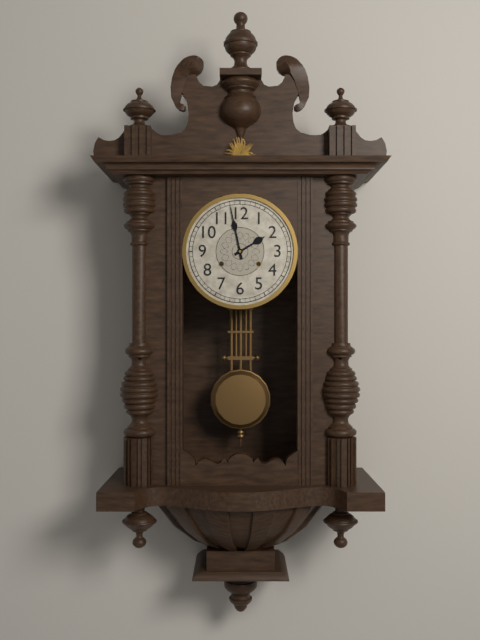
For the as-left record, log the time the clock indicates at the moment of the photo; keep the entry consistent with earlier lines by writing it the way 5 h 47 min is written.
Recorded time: 1 h 58 min
